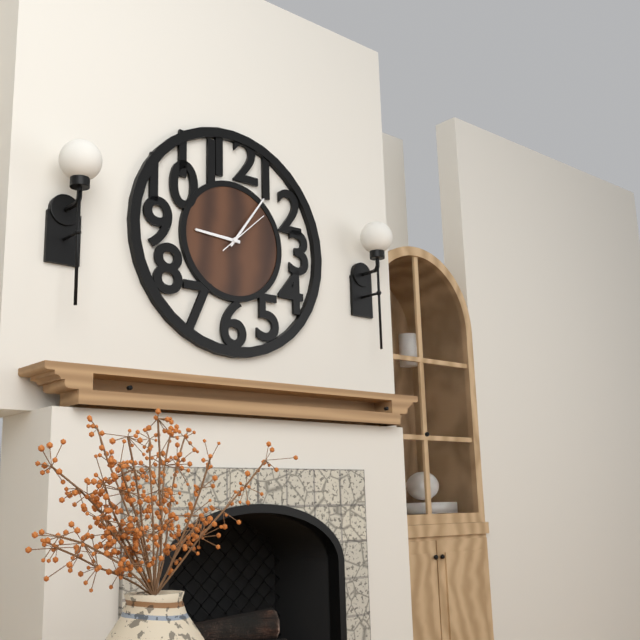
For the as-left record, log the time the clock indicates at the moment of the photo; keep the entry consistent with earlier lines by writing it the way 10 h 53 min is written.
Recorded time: 9 h 06 min
